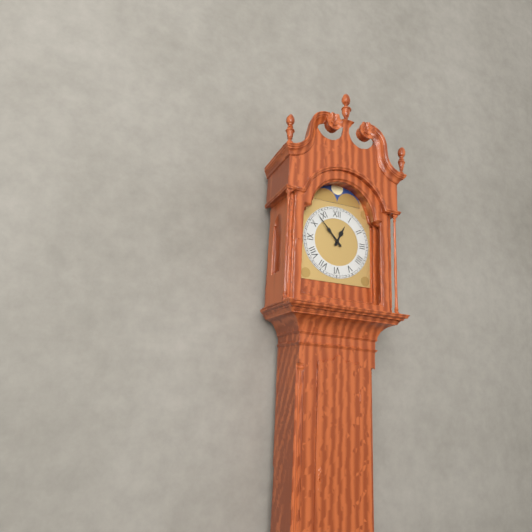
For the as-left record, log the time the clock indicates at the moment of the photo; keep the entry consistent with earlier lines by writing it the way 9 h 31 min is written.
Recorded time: 12 h 53 min
